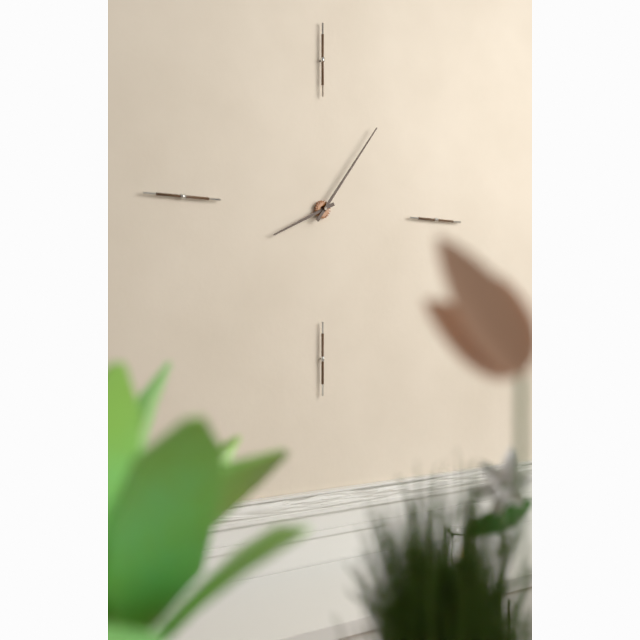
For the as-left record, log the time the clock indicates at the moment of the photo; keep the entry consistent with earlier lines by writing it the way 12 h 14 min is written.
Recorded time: 8 h 06 min
